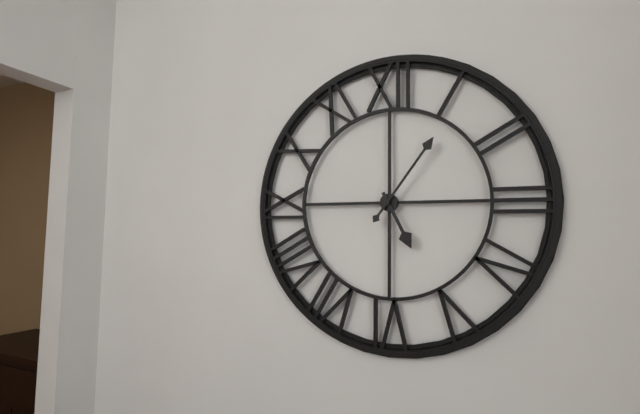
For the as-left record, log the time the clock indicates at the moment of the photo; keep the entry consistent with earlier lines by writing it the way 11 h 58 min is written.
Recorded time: 5 h 06 min
